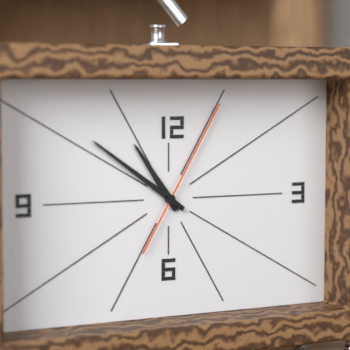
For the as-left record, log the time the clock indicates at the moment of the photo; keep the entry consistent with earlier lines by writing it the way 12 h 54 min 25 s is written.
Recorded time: 10 h 51 min 05 s
